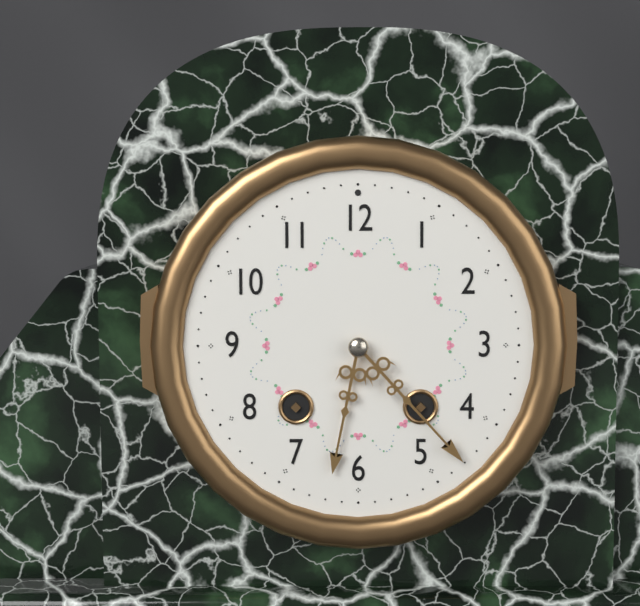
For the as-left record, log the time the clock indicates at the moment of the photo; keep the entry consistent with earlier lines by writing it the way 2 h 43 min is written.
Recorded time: 6 h 23 min
